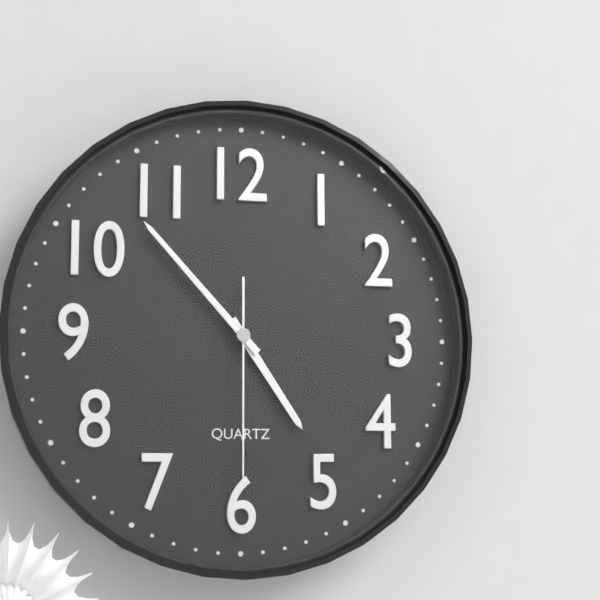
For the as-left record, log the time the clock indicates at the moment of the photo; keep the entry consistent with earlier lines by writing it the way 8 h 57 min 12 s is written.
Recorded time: 4 h 53 min 30 s
